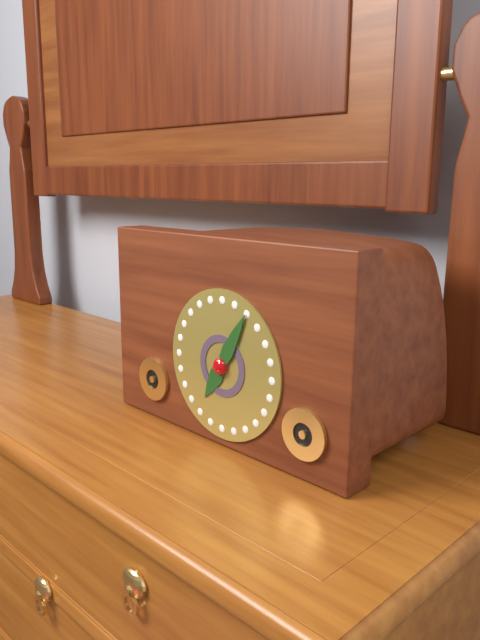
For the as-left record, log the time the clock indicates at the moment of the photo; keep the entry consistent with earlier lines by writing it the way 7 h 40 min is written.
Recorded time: 7 h 05 min
